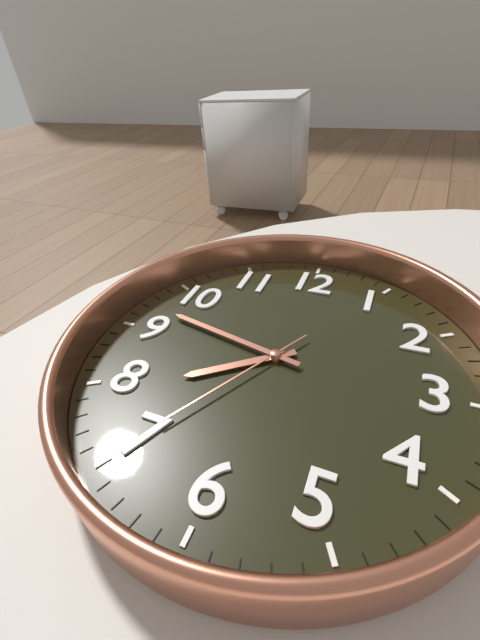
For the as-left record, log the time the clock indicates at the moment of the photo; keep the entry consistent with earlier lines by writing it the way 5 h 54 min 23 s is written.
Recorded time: 7 h 47 min 35 s
